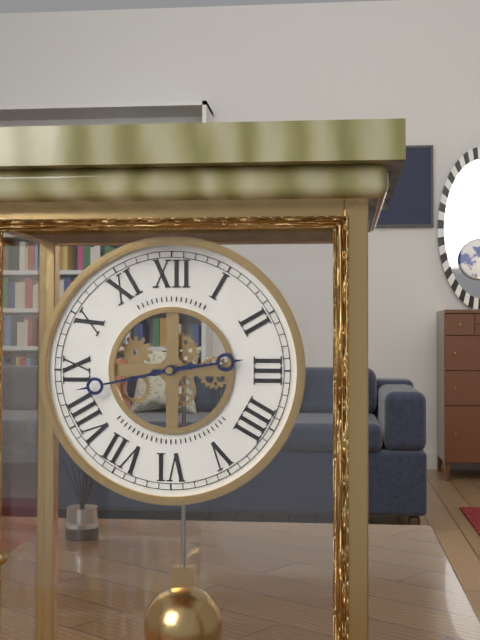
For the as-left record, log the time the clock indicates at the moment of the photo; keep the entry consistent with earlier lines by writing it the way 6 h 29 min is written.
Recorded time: 2 h 43 min
